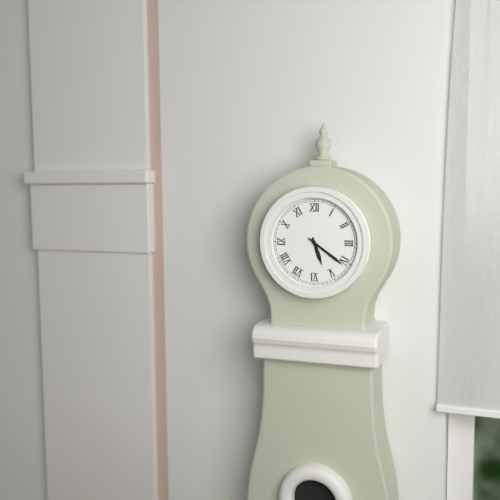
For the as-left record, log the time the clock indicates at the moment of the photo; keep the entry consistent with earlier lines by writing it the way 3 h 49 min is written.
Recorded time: 5 h 21 min
